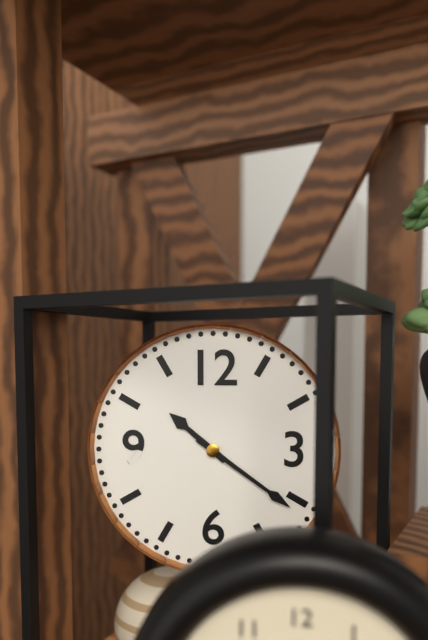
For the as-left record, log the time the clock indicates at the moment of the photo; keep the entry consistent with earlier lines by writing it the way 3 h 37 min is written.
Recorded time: 10 h 21 min
